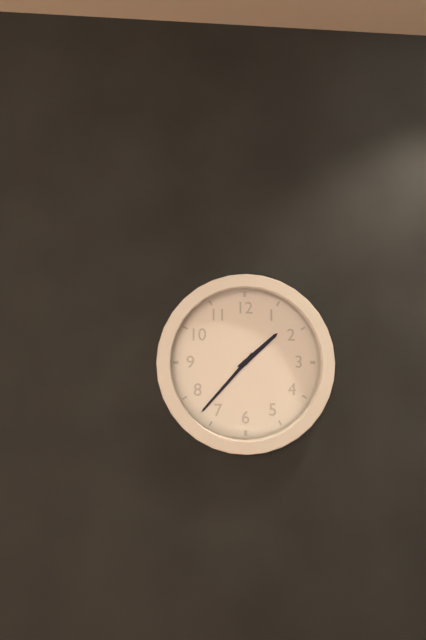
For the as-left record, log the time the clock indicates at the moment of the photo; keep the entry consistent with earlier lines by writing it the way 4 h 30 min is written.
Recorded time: 1 h 37 min
